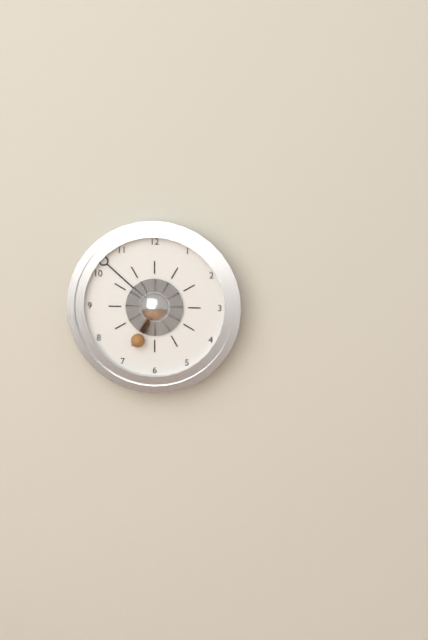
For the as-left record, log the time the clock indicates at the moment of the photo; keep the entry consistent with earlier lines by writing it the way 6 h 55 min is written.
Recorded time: 6 h 52 min
